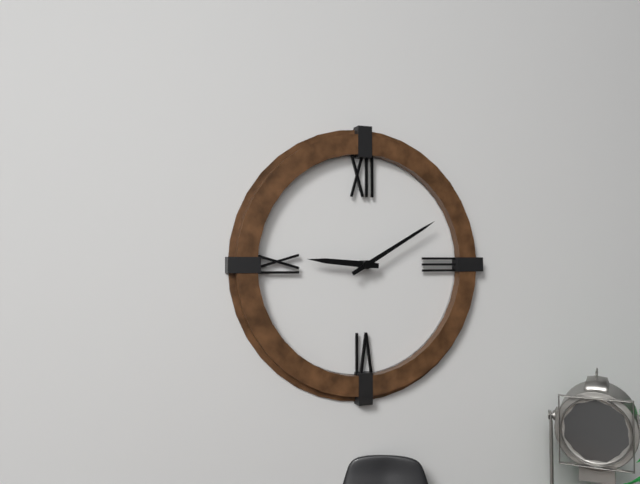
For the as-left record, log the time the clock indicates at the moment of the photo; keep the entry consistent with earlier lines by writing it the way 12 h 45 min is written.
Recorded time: 9 h 10 min
